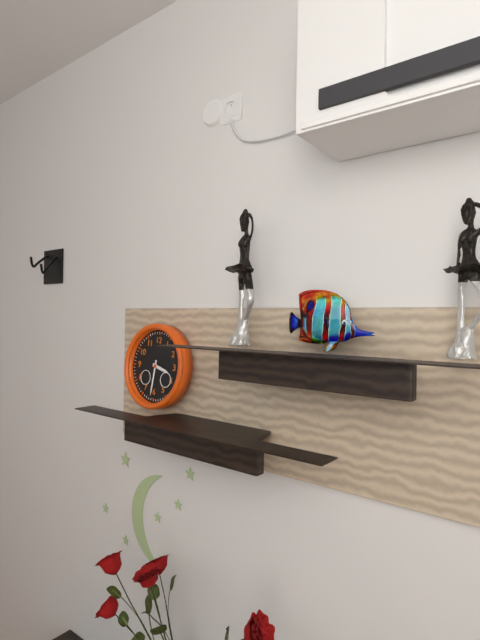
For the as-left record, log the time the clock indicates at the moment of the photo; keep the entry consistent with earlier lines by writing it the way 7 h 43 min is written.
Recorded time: 3 h 31 min
